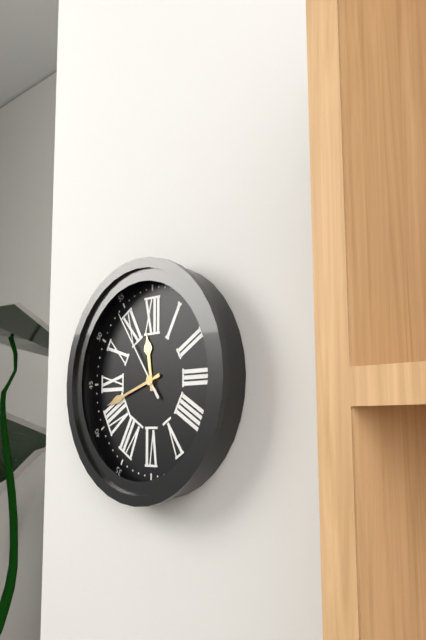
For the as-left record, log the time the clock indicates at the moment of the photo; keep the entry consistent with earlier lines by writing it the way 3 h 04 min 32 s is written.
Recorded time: 11 h 42 min 54 s
